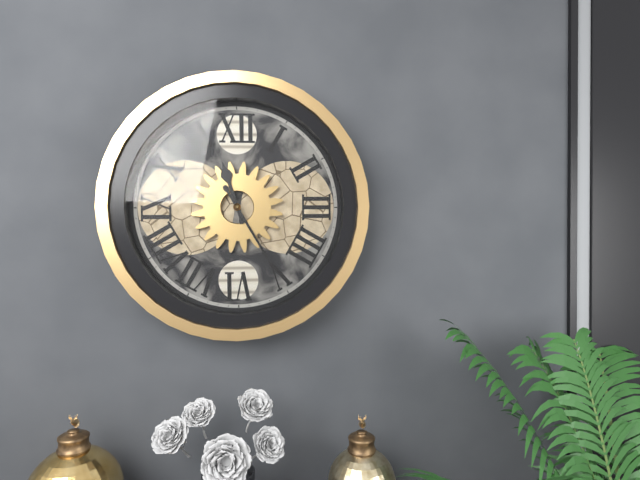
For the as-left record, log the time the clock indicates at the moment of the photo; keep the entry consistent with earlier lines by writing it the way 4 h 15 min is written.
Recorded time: 11 h 25 min
